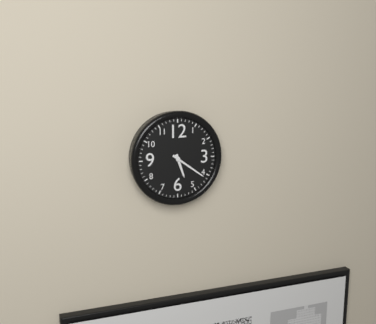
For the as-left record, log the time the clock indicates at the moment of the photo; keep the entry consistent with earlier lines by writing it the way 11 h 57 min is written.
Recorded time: 5 h 21 min
